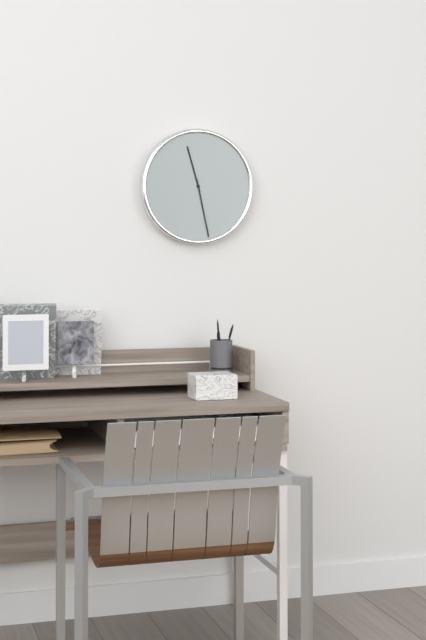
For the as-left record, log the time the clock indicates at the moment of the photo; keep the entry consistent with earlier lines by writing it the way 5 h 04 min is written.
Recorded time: 11 h 28 min
